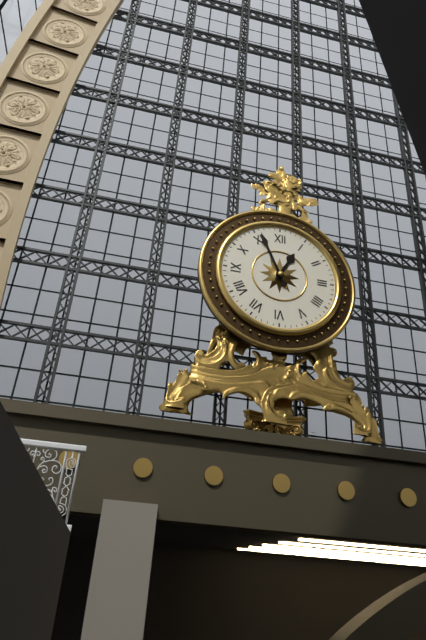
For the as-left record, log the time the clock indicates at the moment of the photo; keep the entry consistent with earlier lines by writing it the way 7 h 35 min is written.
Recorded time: 12 h 56 min
